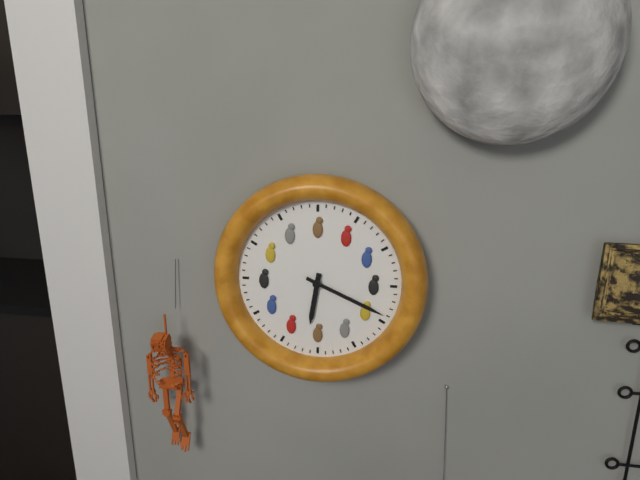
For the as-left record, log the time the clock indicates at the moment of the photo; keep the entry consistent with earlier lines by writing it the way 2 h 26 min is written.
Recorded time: 6 h 19 min
